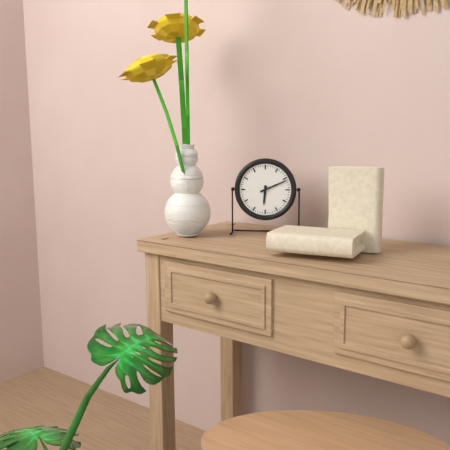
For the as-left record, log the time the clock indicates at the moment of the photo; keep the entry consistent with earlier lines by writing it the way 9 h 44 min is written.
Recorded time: 6 h 11 min
